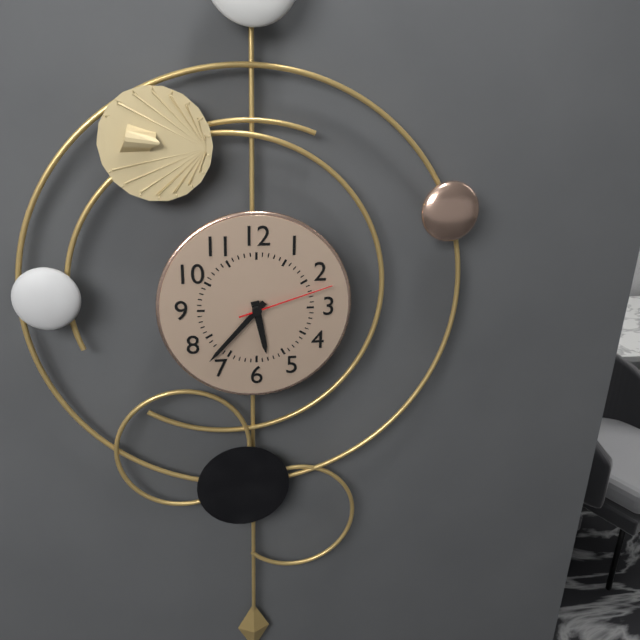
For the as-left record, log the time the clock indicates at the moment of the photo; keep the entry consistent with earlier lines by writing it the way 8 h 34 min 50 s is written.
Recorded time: 5 h 37 min 12 s
